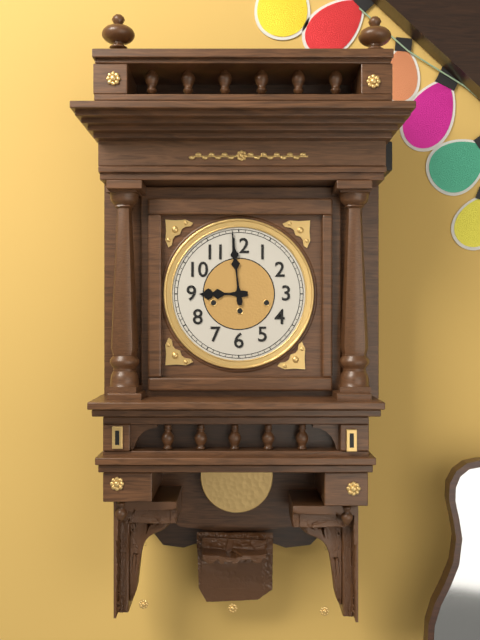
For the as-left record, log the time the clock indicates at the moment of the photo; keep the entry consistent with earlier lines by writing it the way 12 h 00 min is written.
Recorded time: 8 h 59 min
